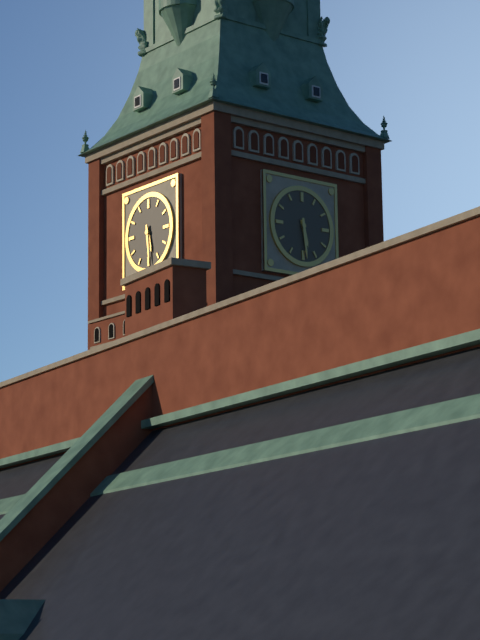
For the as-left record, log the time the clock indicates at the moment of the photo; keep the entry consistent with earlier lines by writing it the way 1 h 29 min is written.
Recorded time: 5 h 29 min
